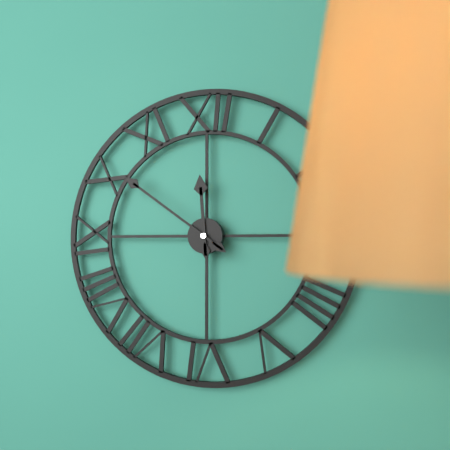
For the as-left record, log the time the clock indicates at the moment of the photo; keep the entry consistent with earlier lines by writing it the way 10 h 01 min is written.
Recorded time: 11 h 51 min
